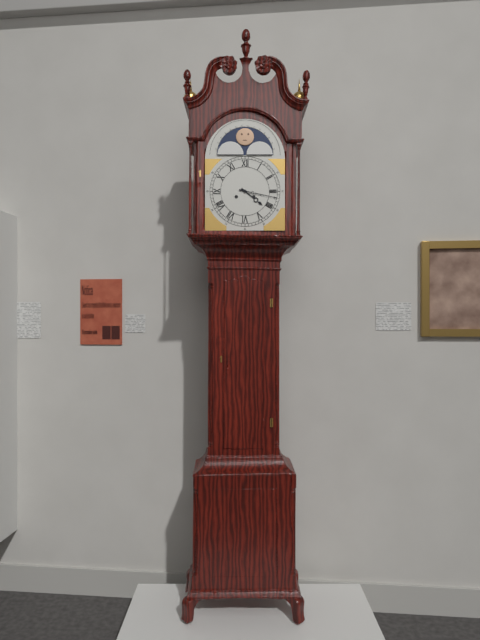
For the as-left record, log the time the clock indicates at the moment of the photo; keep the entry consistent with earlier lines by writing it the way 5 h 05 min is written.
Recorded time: 4 h 17 min
